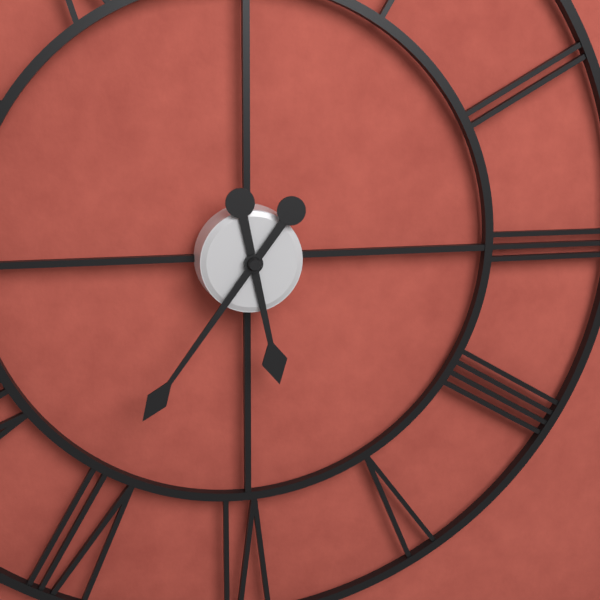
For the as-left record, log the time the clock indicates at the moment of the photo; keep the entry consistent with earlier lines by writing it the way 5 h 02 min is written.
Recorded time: 5 h 36 min
